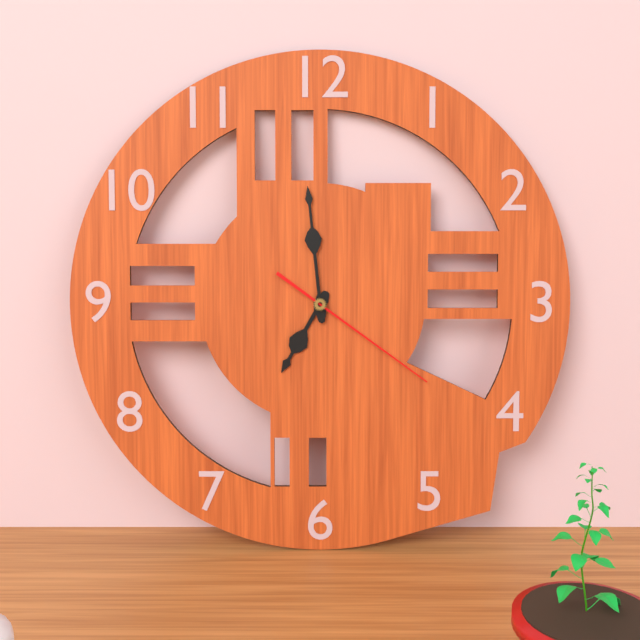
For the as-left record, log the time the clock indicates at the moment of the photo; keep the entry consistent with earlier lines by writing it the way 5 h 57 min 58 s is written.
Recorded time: 6 h 59 min 21 s
